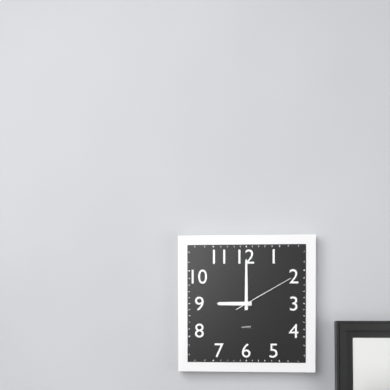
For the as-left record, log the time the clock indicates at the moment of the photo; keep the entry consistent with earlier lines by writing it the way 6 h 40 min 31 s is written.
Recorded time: 9 h 00 min 10 s
